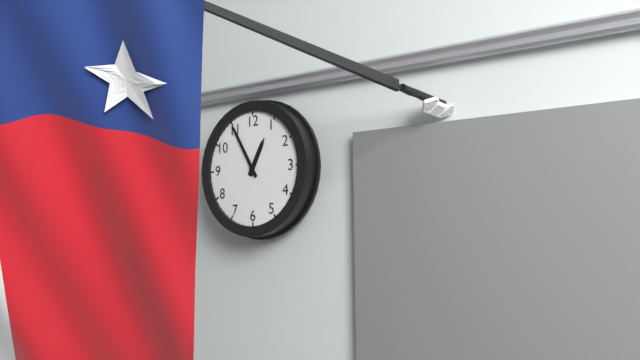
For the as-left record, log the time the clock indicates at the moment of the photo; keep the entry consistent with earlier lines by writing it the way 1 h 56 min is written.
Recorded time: 12 h 55 min
